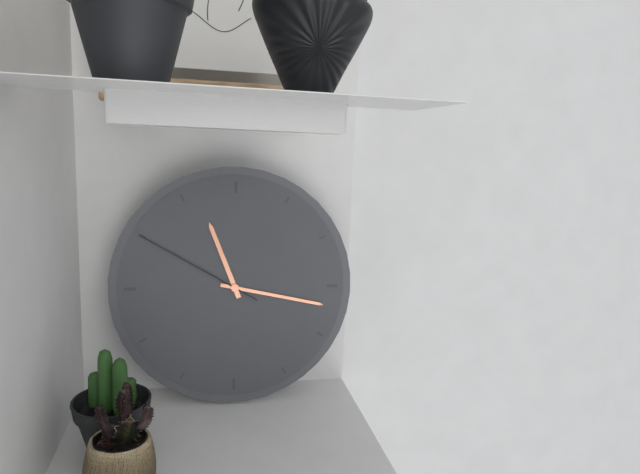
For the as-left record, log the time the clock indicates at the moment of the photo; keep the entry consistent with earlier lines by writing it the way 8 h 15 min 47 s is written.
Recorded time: 11 h 17 min 50 s
